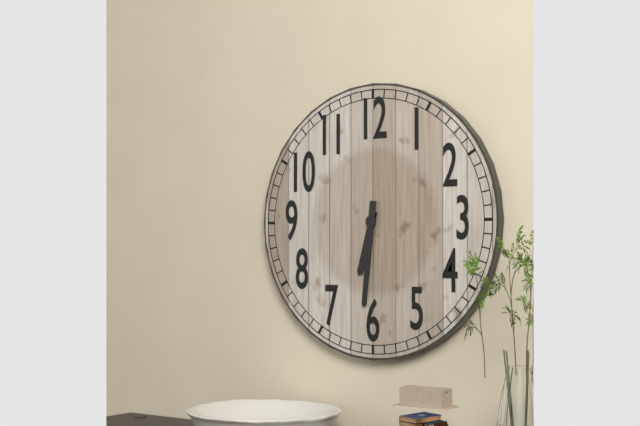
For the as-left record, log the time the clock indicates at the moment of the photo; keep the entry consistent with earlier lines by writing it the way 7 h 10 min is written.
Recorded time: 6 h 31 min
